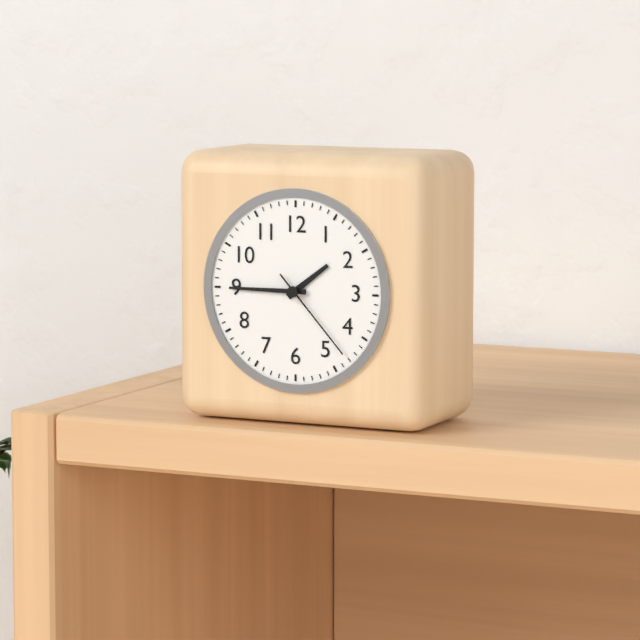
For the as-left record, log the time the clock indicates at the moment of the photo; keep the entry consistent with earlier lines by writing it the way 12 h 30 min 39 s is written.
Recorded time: 1 h 45 min 23 s
